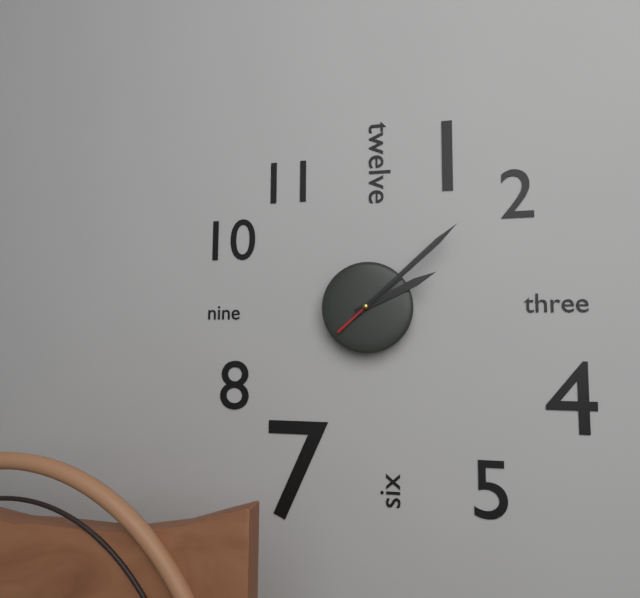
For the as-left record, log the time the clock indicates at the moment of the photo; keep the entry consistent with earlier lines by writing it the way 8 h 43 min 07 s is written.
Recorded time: 2 h 08 min 08 s
